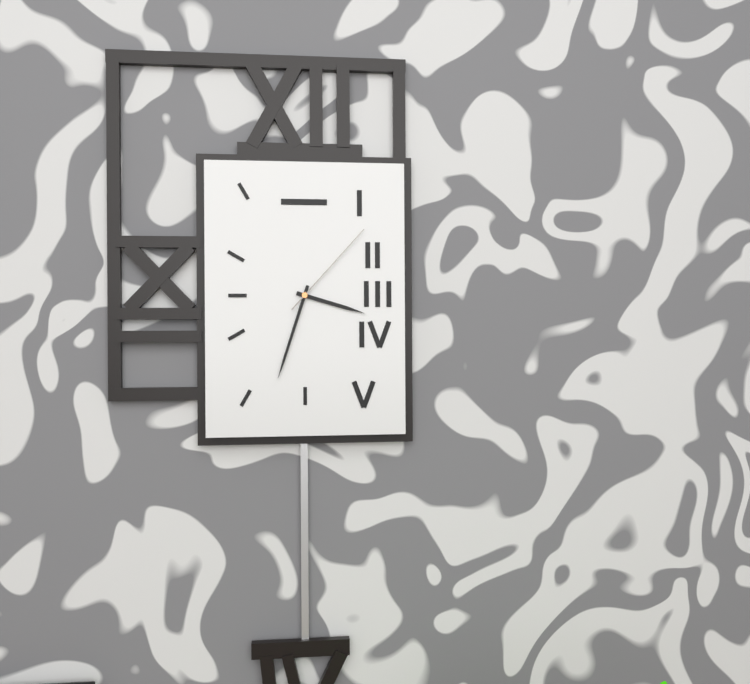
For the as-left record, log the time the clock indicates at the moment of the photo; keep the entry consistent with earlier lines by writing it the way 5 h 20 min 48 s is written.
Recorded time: 3 h 33 min 07 s
